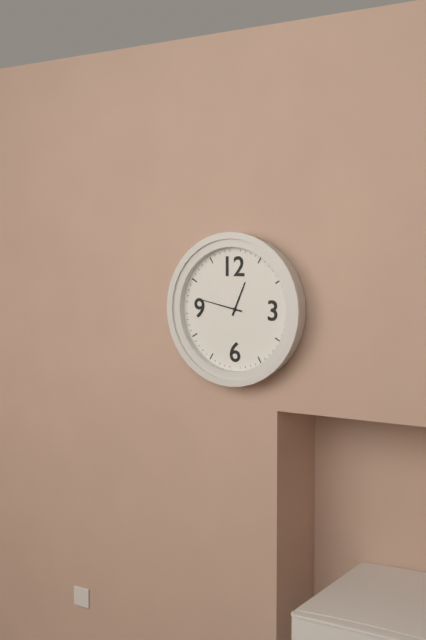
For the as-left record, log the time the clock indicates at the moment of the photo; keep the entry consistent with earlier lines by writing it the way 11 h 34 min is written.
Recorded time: 12 h 47 min
